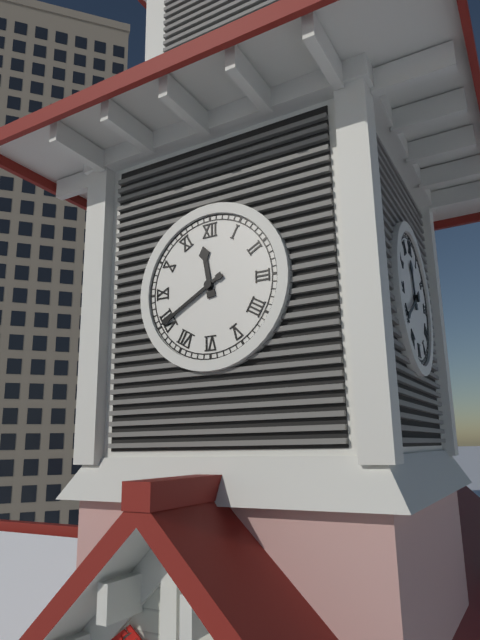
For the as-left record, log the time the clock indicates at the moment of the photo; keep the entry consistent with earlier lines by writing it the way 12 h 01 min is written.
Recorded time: 11 h 40 min
